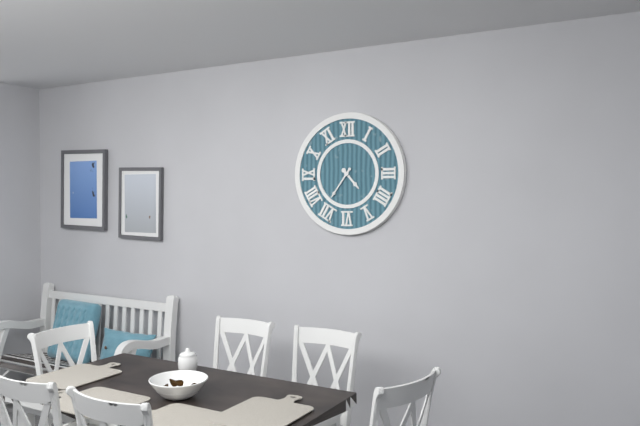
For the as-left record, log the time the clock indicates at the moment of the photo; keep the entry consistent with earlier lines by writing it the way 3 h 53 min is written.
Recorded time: 4 h 36 min
